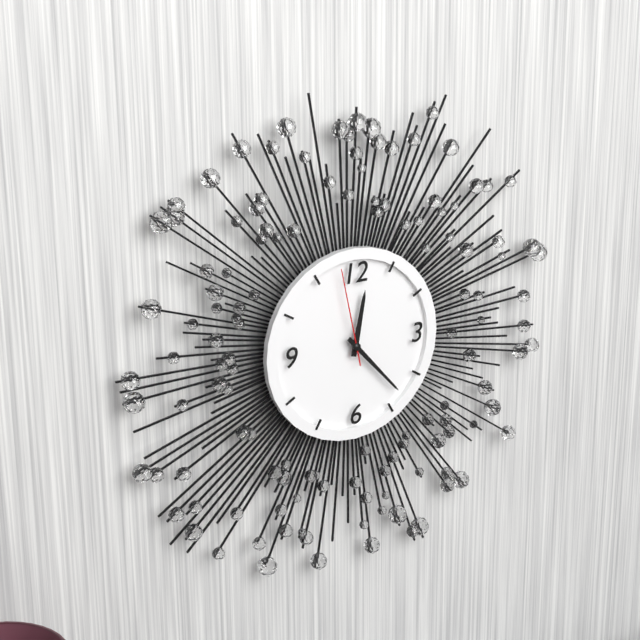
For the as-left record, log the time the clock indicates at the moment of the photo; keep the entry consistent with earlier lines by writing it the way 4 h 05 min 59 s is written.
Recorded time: 12 h 23 min 58 s
